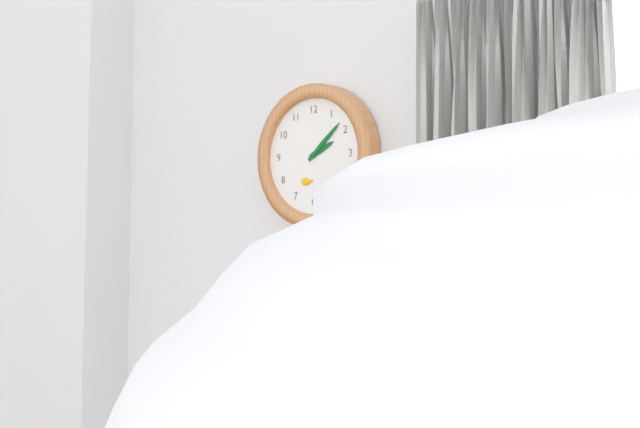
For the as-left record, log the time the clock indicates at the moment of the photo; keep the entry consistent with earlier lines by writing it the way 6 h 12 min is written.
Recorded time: 2 h 08 min
